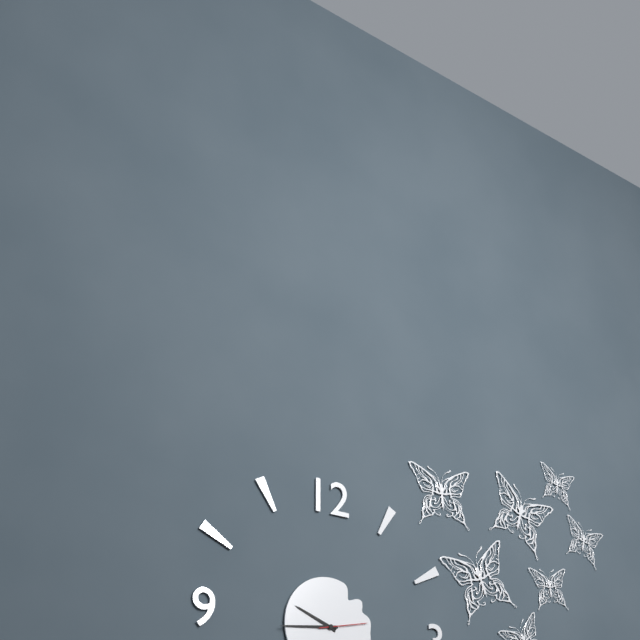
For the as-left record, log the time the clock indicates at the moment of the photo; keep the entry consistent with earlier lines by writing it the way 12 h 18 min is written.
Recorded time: 9 h 44 min
